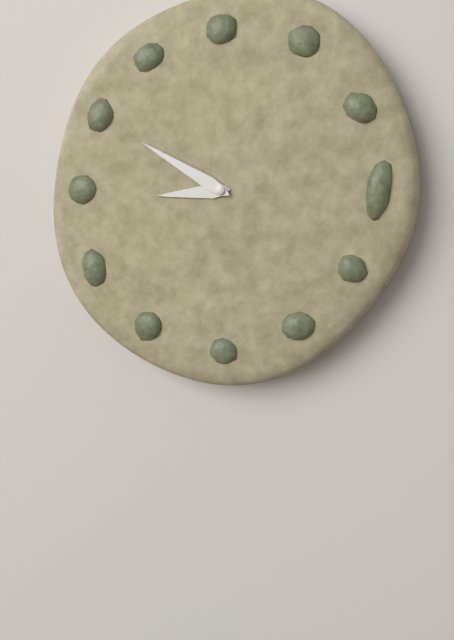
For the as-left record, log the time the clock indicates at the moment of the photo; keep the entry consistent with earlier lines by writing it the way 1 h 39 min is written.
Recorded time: 8 h 50 min
